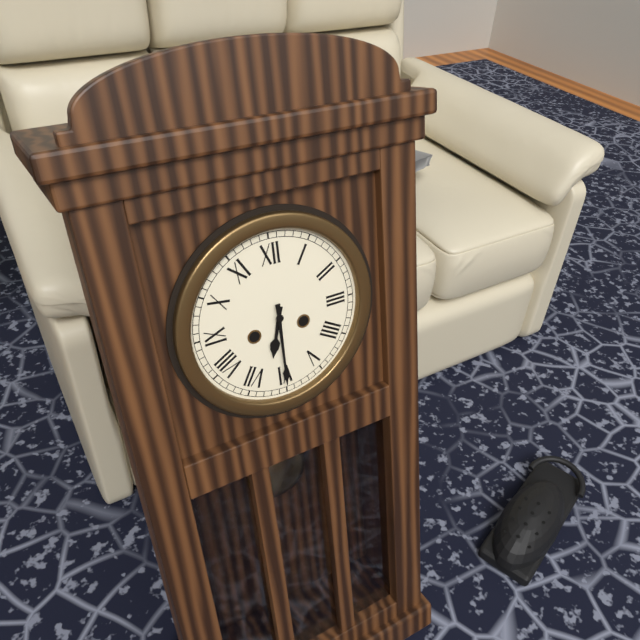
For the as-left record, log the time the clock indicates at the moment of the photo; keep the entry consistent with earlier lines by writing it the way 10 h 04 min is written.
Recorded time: 6 h 30 min
